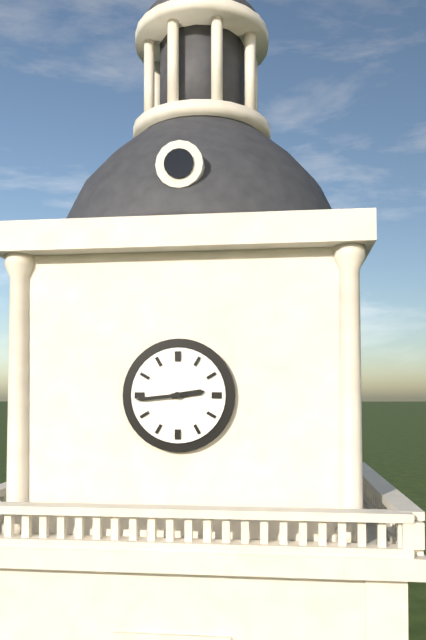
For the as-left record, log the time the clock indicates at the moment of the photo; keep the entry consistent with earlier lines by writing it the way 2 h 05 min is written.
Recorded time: 2 h 44 min
